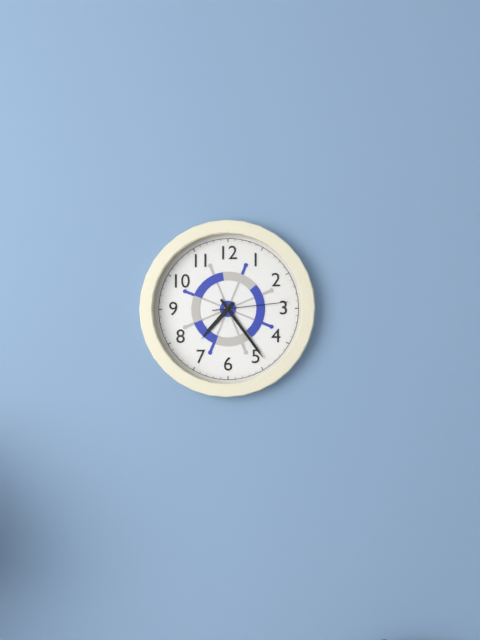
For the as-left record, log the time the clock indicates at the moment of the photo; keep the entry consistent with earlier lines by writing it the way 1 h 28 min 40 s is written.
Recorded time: 7 h 24 min 14 s
